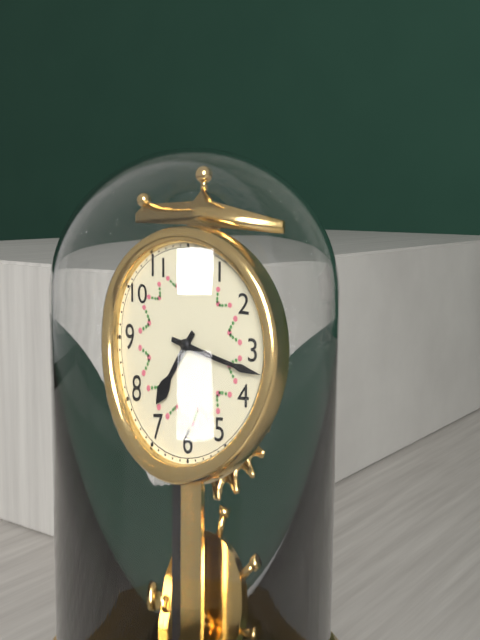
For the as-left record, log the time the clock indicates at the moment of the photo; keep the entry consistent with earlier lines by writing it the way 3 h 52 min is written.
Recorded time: 7 h 17 min
